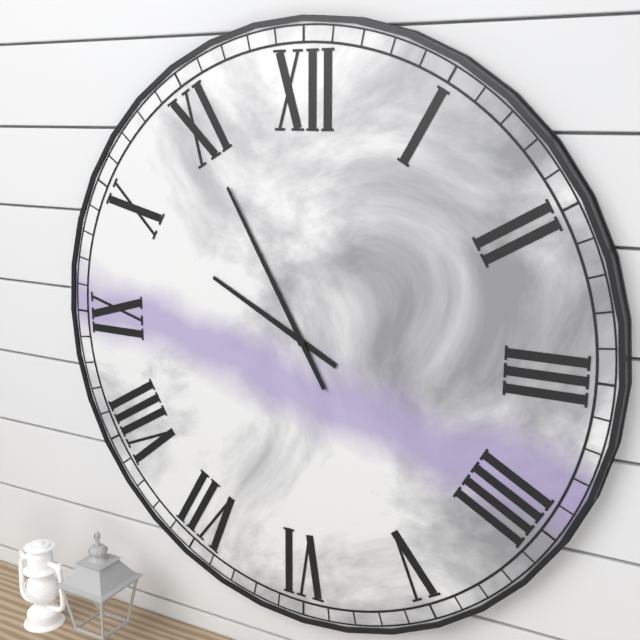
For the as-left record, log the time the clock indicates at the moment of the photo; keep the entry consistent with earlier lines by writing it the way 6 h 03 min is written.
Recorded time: 9 h 55 min
